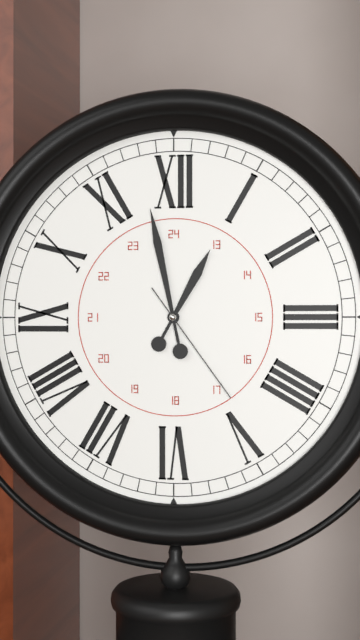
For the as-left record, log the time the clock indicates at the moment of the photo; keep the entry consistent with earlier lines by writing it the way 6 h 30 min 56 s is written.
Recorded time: 12 h 58 min 24 s
